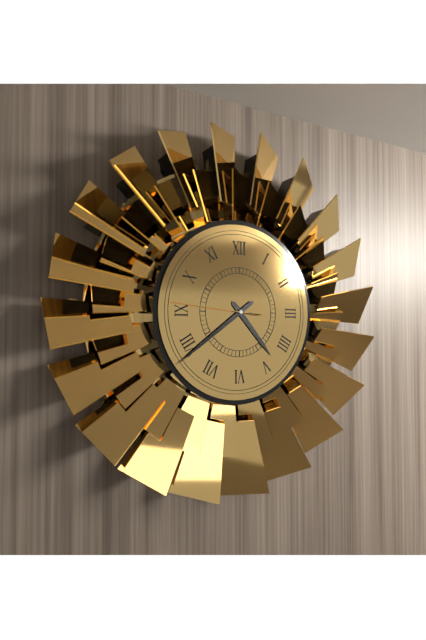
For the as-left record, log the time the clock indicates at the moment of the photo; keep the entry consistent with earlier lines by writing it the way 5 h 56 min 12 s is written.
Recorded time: 4 h 39 min 46 s
